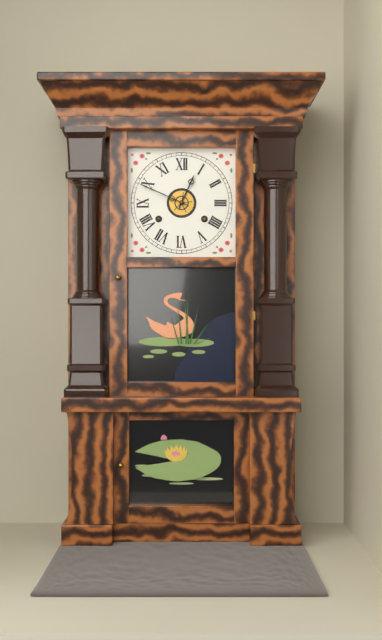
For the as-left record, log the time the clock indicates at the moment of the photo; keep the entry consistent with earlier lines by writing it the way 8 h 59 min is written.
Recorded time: 12 h 49 min
